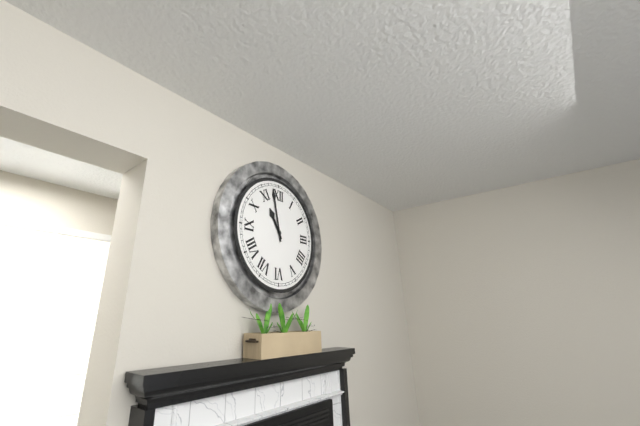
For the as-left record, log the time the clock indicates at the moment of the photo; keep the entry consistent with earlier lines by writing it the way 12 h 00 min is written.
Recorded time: 10 h 58 min
